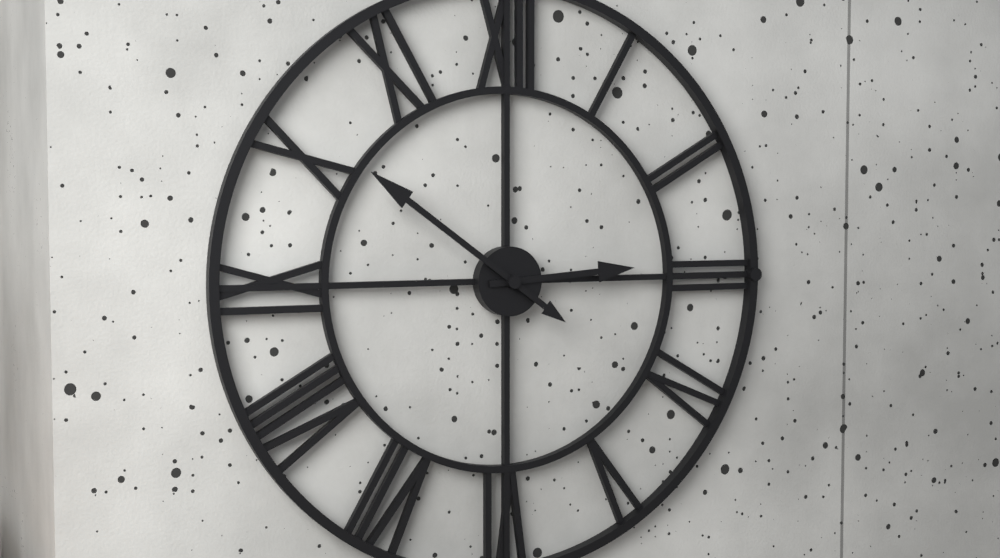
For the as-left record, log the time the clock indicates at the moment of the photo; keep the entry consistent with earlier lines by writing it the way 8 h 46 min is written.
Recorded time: 2 h 51 min
